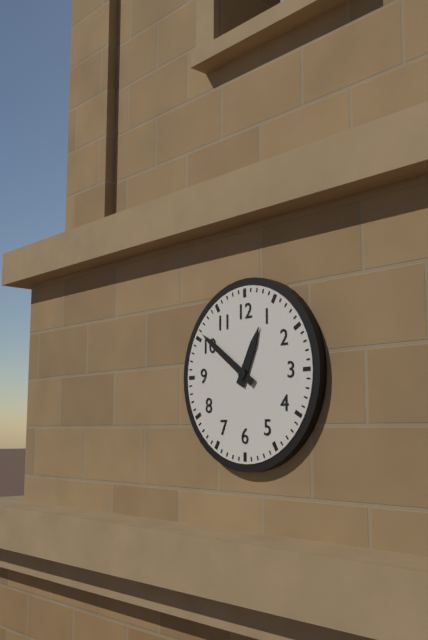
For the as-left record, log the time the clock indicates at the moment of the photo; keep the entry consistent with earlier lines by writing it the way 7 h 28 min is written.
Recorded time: 12 h 51 min
